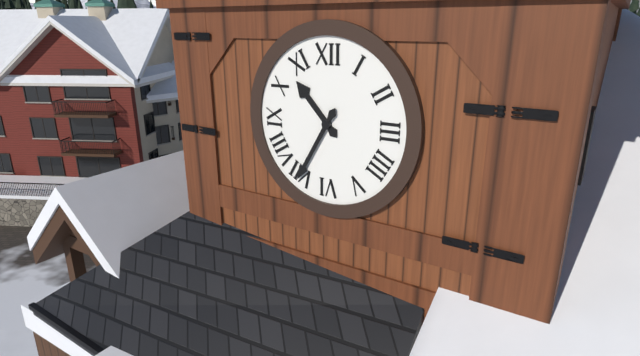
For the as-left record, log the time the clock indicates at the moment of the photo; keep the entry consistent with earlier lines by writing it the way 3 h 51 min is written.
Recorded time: 10 h 35 min
